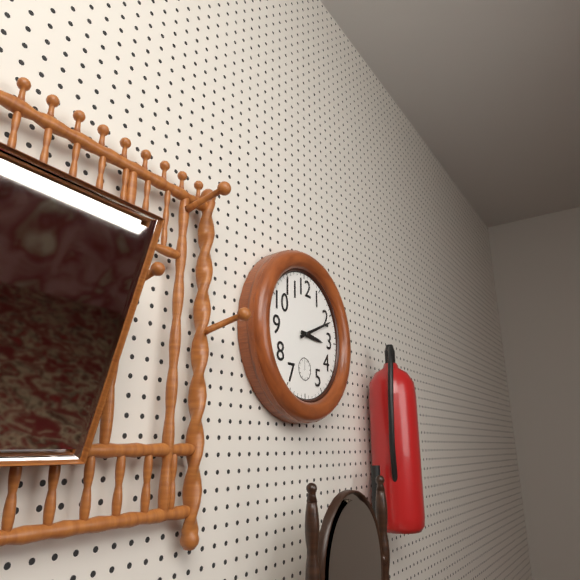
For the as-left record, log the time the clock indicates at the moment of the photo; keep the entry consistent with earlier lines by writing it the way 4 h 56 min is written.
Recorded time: 3 h 11 min
